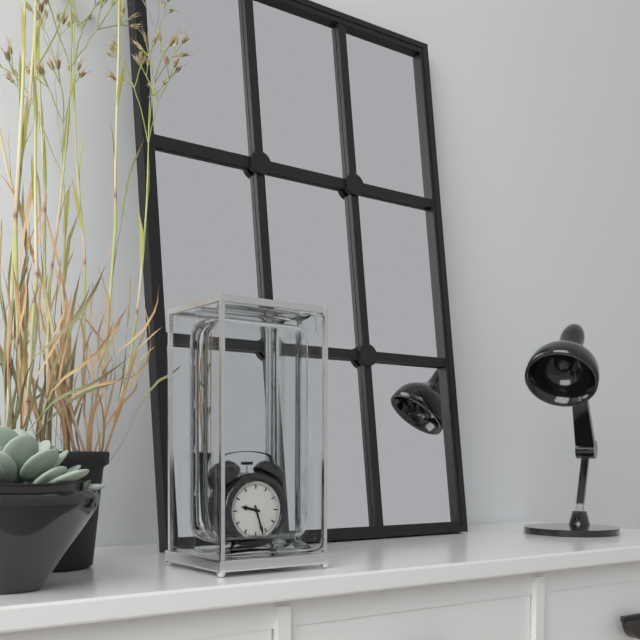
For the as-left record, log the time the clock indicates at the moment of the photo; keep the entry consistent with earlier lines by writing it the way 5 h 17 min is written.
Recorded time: 9 h 27 min
